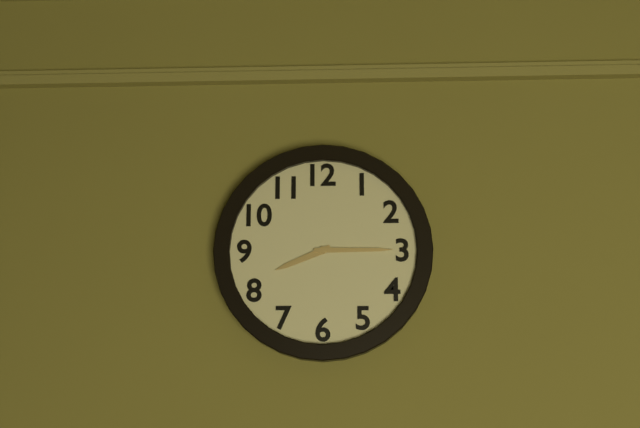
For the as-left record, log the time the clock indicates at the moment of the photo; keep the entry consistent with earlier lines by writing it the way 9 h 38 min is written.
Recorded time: 8 h 15 min
